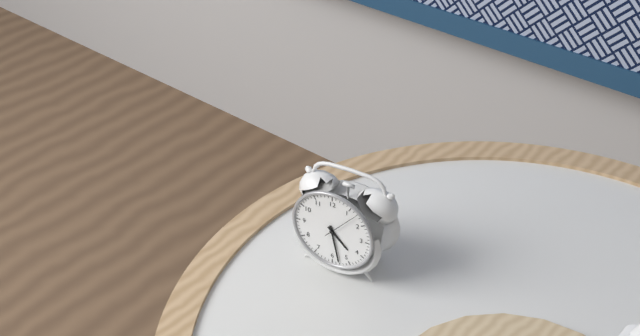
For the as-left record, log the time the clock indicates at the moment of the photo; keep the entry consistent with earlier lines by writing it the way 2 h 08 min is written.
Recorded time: 4 h 28 min
